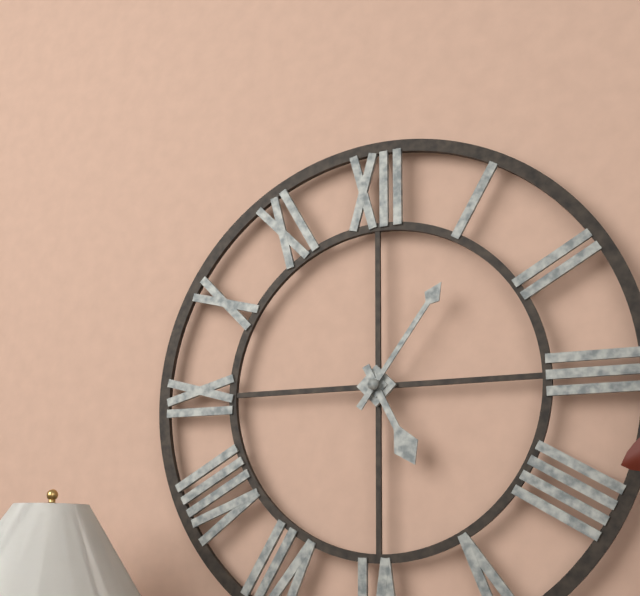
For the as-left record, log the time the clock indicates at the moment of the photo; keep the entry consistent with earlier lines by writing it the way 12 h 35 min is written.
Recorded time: 5 h 06 min
